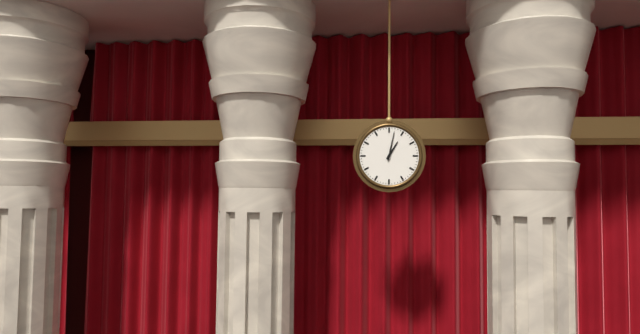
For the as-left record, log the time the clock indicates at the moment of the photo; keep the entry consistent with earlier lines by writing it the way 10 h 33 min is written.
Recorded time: 1 h 02 min
